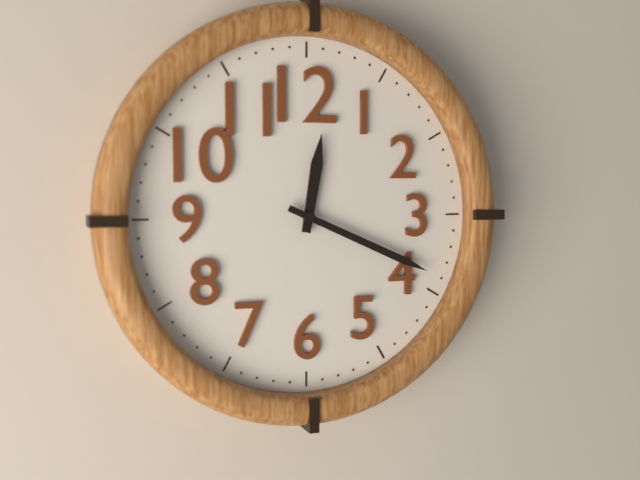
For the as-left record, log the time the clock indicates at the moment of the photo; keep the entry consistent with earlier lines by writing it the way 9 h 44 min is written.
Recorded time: 12 h 19 min
